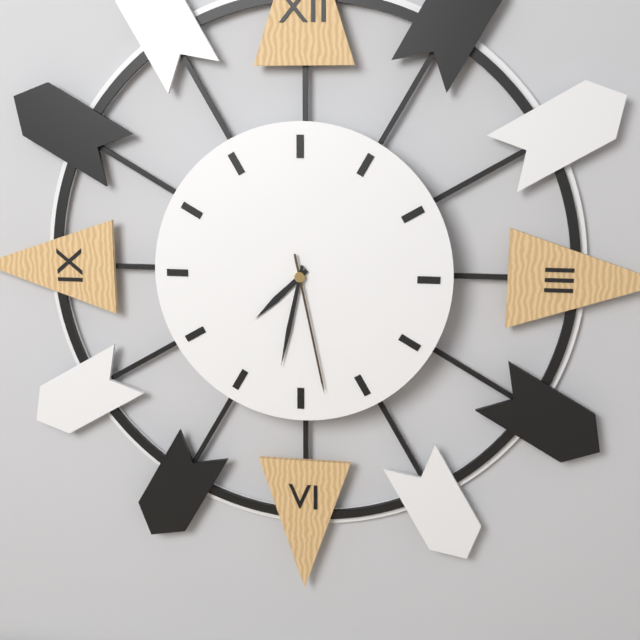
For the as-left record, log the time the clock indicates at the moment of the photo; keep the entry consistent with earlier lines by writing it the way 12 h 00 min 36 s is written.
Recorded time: 7 h 32 min 28 s
